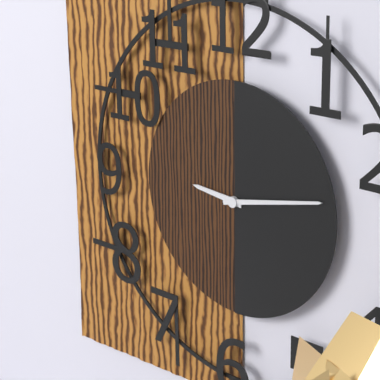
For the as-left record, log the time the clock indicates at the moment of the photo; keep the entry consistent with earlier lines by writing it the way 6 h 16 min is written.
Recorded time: 9 h 13 min
